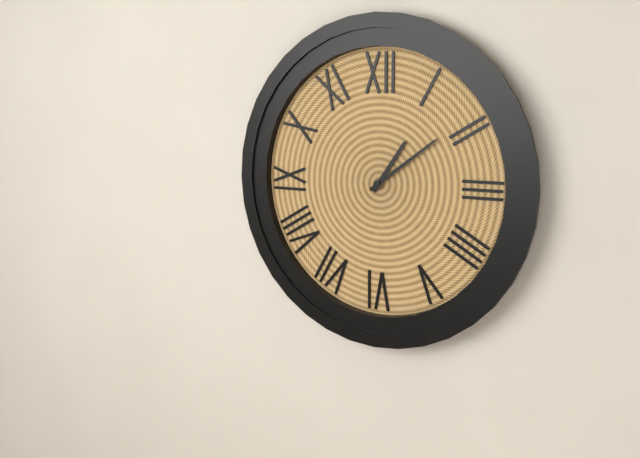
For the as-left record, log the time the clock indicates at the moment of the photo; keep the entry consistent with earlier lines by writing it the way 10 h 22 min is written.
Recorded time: 1 h 09 min
